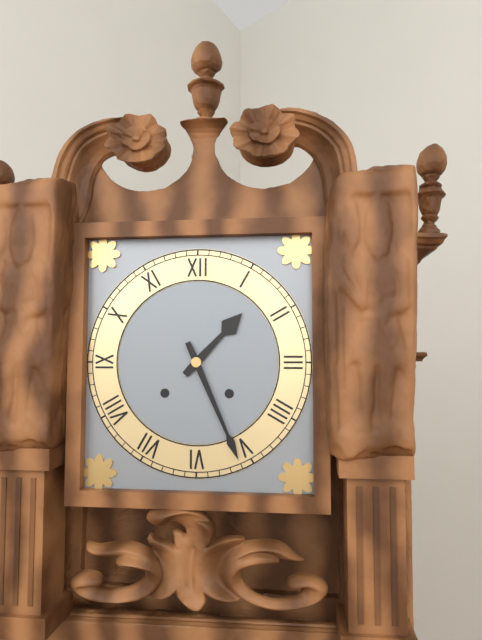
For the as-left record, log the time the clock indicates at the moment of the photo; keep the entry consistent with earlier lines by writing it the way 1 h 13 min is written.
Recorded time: 1 h 26 min
